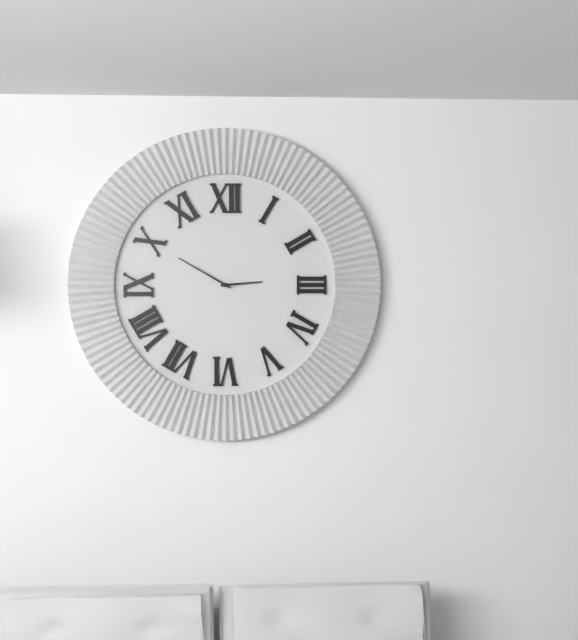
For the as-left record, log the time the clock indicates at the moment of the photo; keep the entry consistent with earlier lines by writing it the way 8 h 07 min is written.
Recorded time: 2 h 50 min
